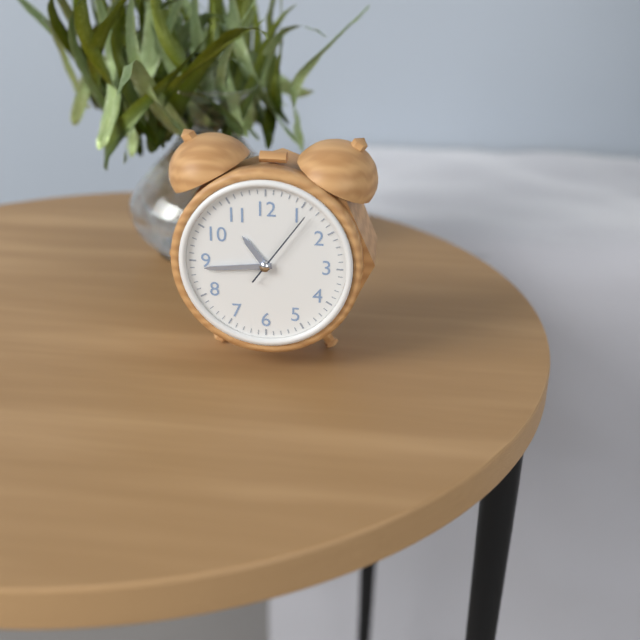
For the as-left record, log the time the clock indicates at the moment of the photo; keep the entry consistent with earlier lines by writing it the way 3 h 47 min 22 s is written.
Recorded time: 10 h 44 min 06 s
